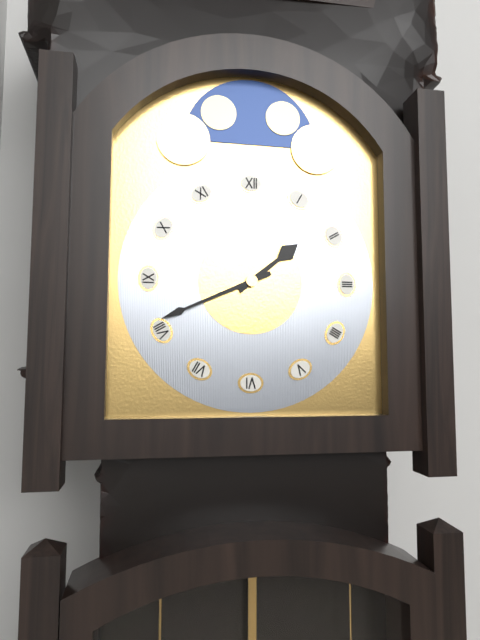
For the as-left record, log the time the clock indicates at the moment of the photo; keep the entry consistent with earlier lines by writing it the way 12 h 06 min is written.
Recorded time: 1 h 41 min
